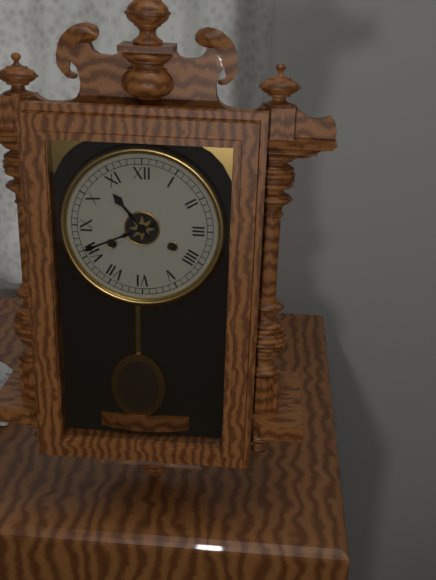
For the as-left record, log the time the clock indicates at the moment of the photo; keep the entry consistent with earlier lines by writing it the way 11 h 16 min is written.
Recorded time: 10 h 41 min
